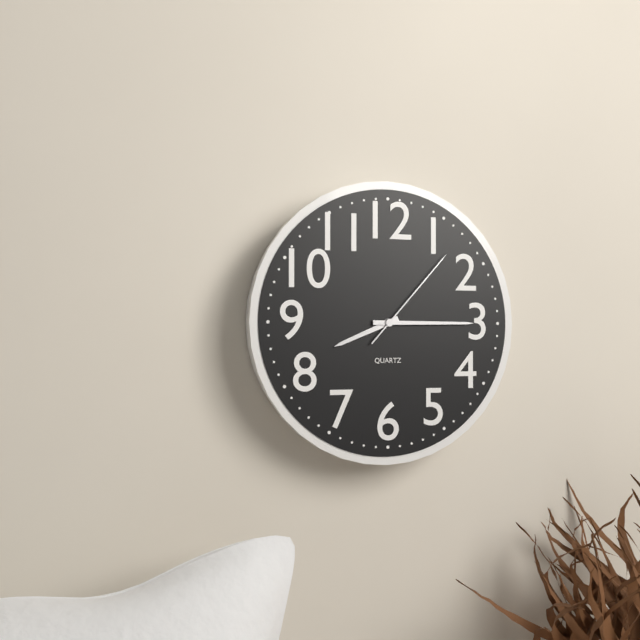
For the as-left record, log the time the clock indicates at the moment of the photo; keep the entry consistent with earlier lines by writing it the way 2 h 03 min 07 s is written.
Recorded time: 8 h 15 min 07 s
